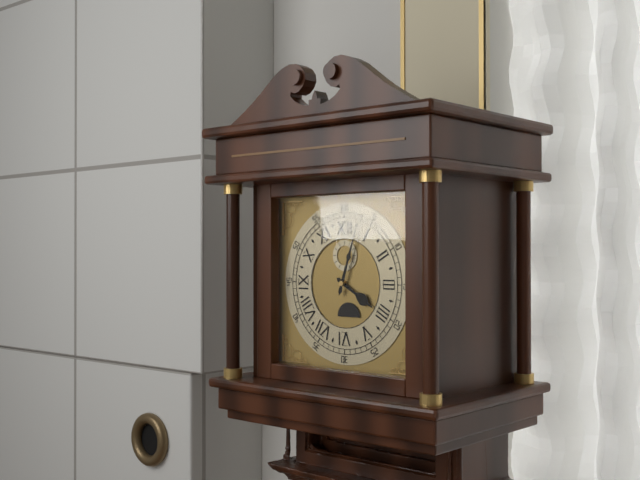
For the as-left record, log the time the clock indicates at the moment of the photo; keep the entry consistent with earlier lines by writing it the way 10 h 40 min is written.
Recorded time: 4 h 03 min
